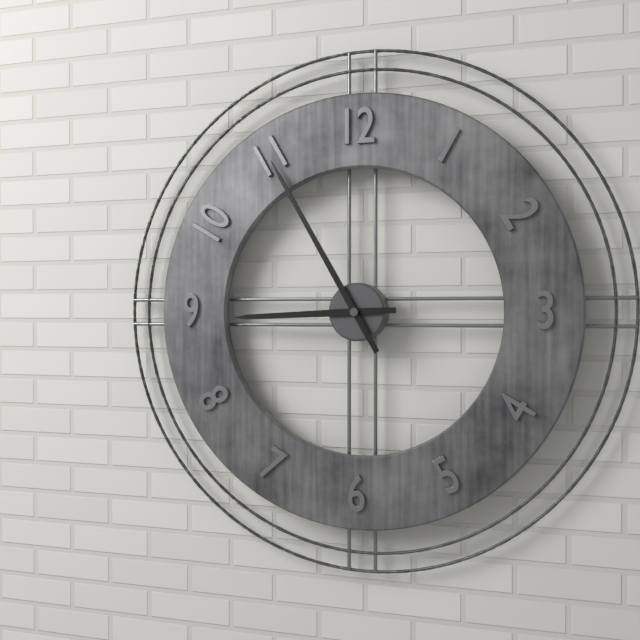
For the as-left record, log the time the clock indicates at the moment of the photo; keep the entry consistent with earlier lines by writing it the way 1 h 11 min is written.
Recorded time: 8 h 55 min
